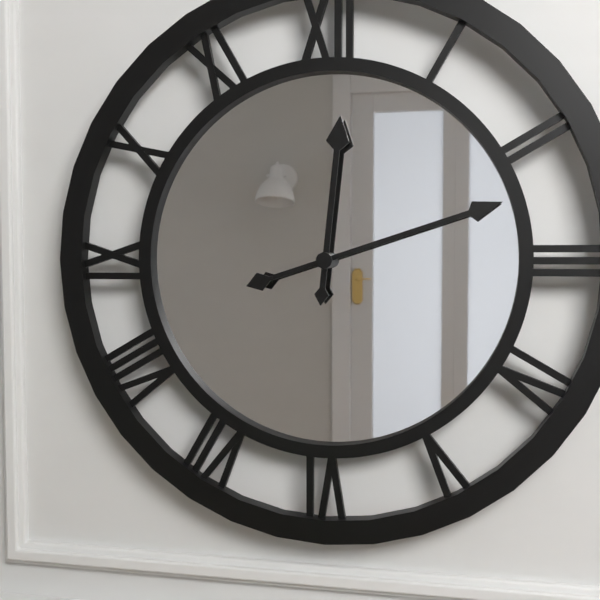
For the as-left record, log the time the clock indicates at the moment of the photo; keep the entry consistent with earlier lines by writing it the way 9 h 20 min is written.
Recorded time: 12 h 12 min
